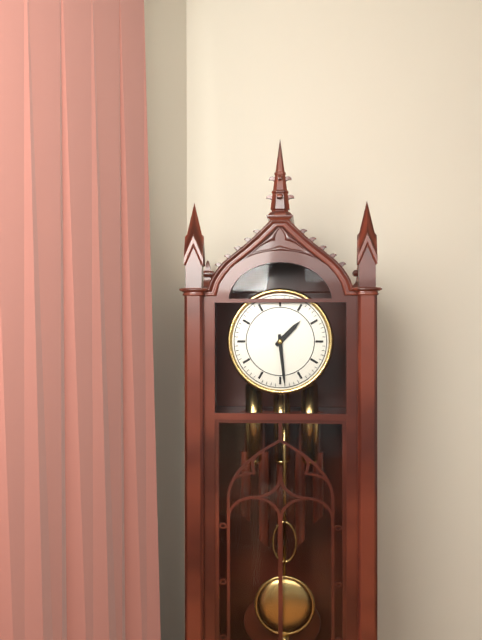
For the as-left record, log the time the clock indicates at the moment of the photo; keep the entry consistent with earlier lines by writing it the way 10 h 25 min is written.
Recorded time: 1 h 29 min
